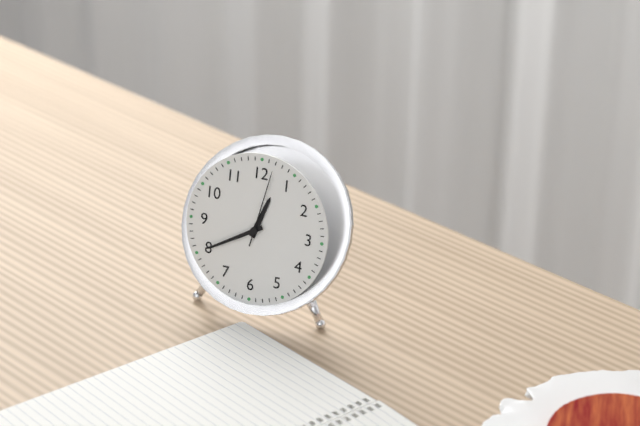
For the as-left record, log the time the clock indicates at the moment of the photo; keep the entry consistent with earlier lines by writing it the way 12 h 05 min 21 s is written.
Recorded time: 12 h 40 min 02 s
